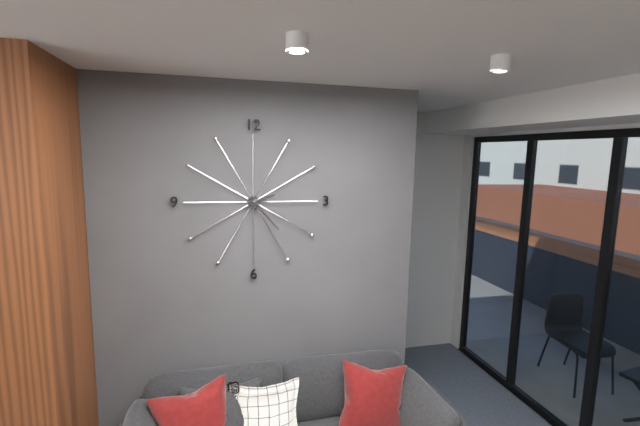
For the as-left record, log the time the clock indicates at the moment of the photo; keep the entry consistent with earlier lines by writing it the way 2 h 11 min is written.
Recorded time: 2 h 23 min
